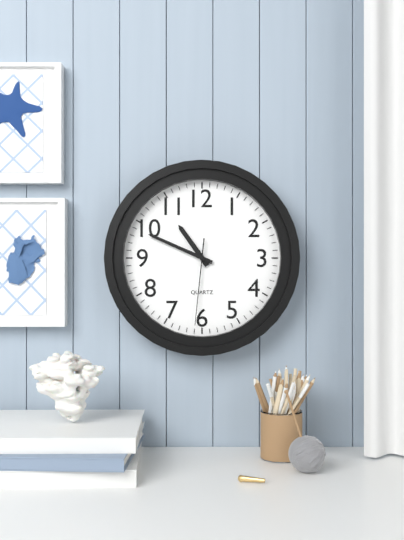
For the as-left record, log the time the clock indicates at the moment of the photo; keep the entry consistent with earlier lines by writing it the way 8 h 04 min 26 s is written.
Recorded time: 10 h 49 min 31 s
